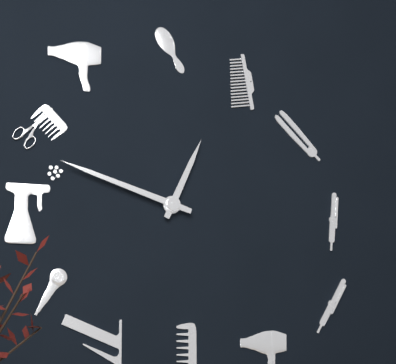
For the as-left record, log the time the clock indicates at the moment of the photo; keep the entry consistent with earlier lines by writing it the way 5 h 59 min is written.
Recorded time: 12 h 48 min
